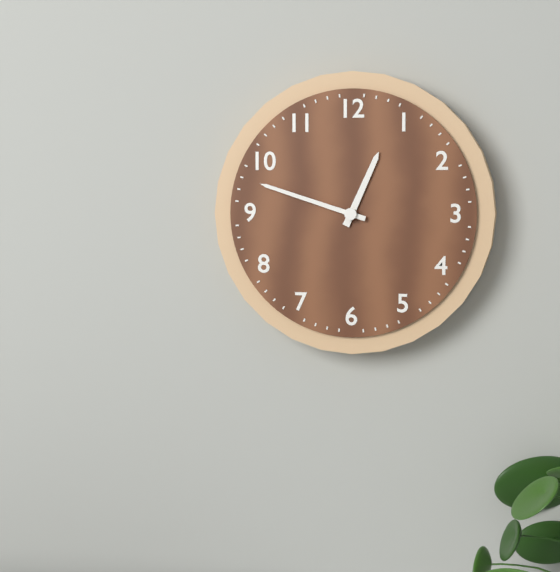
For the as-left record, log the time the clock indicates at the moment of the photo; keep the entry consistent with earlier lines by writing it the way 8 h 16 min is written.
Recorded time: 12 h 48 min
